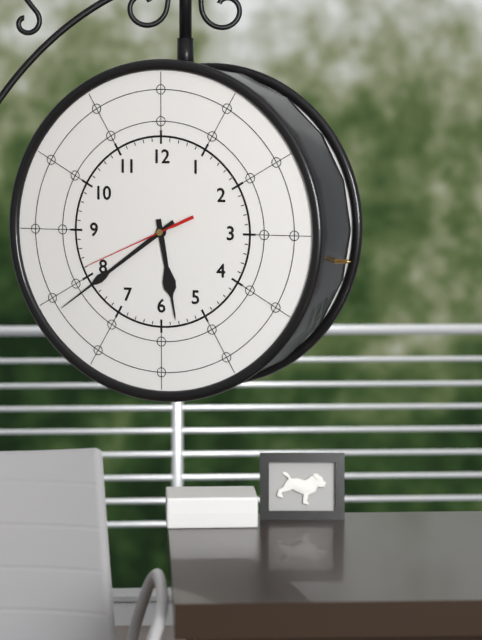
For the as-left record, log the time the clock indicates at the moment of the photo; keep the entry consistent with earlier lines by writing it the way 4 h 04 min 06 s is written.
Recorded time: 5 h 39 min 41 s
